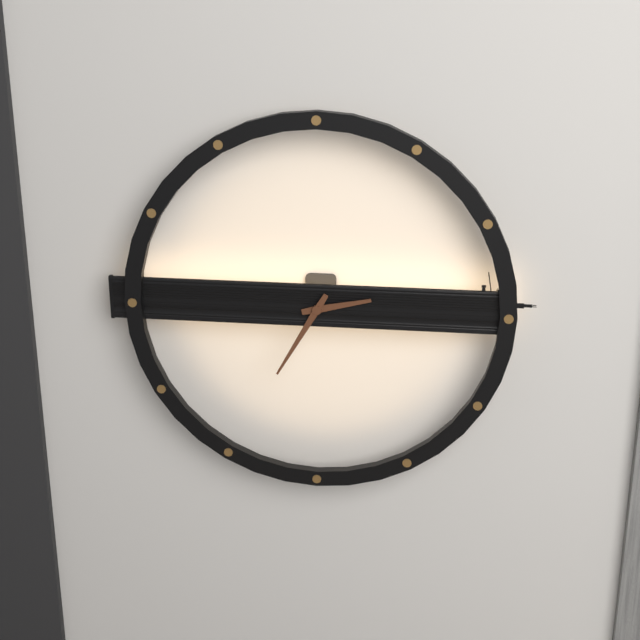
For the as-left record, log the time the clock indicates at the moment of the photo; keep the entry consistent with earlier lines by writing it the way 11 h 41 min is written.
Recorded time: 2 h 35 min
